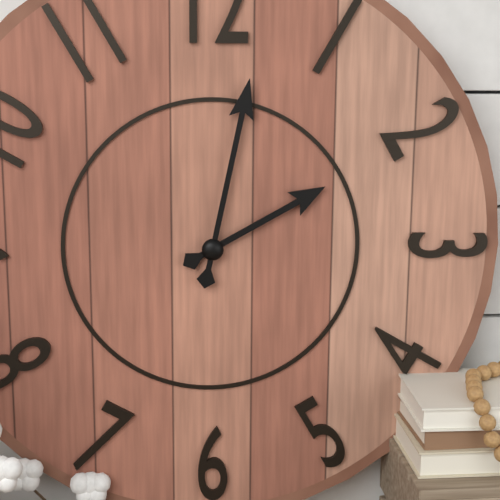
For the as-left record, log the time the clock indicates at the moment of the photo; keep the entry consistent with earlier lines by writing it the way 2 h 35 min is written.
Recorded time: 2 h 02 min
